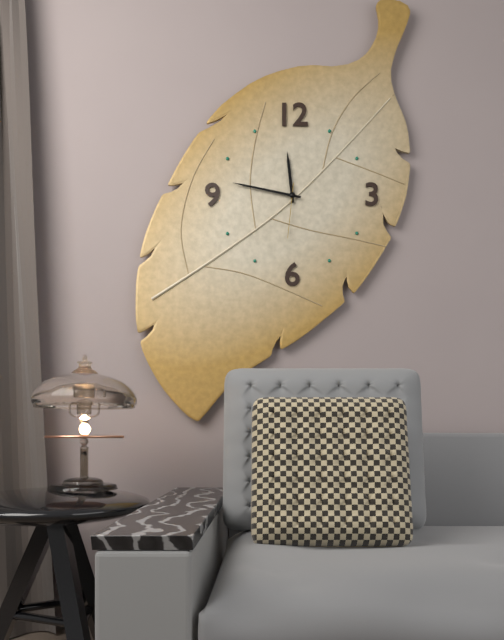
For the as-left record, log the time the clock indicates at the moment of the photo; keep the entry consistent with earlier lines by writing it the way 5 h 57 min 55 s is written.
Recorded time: 11 h 47 min 31 s
